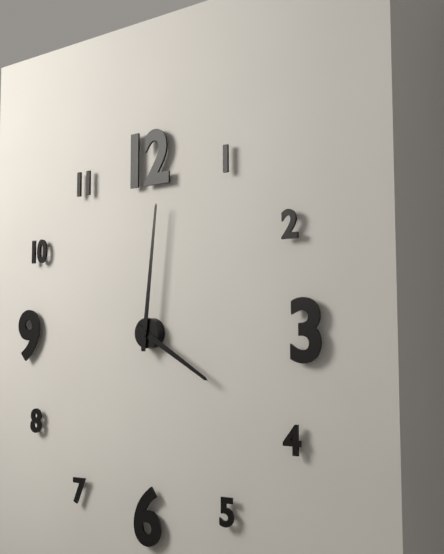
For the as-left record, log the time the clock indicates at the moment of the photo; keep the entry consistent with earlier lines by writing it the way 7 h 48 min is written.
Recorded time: 4 h 01 min
